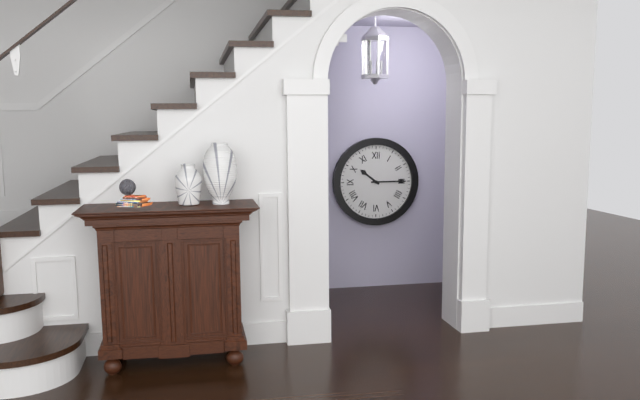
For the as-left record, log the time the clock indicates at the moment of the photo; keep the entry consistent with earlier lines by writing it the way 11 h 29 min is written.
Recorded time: 10 h 15 min
